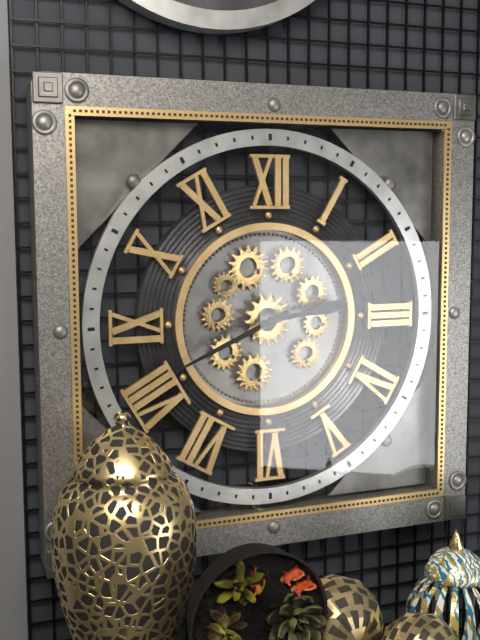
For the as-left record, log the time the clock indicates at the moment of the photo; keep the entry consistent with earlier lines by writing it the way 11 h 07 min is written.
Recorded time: 2 h 41 min
